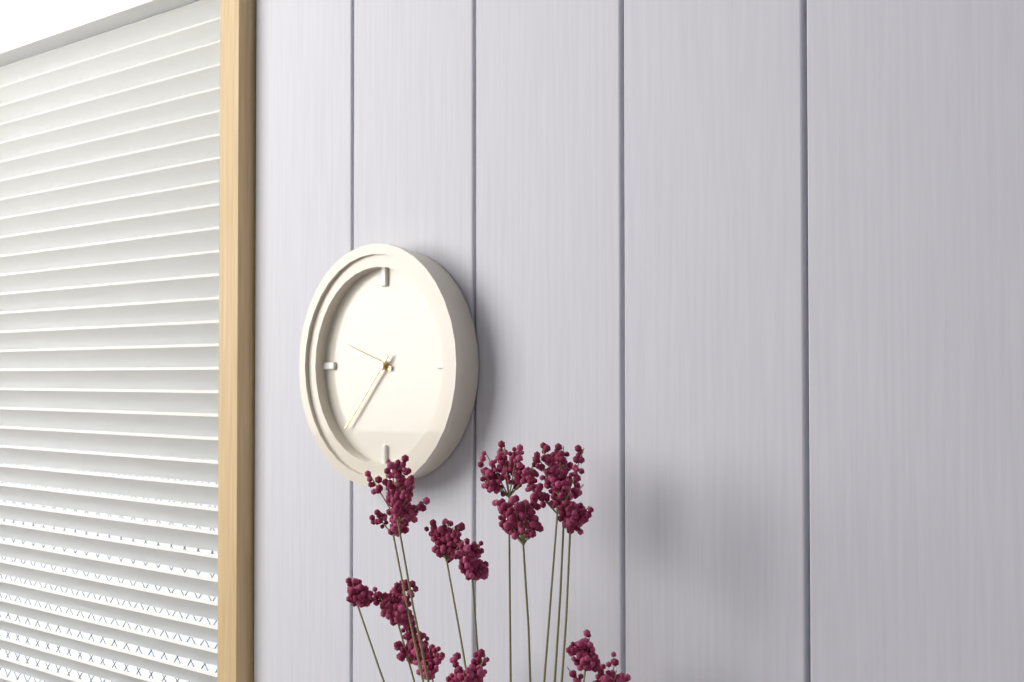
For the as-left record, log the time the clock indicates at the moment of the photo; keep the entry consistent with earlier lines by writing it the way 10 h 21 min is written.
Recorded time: 9 h 37 min
